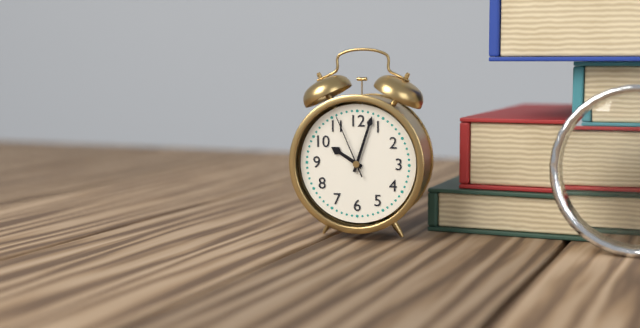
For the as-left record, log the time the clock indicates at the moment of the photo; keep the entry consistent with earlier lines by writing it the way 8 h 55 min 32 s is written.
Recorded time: 10 h 03 min 56 s
